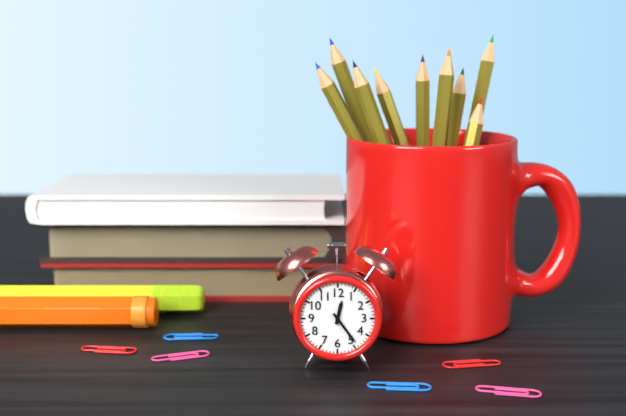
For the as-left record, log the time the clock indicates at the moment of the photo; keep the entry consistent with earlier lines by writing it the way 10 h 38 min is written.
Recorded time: 12 h 24 min
